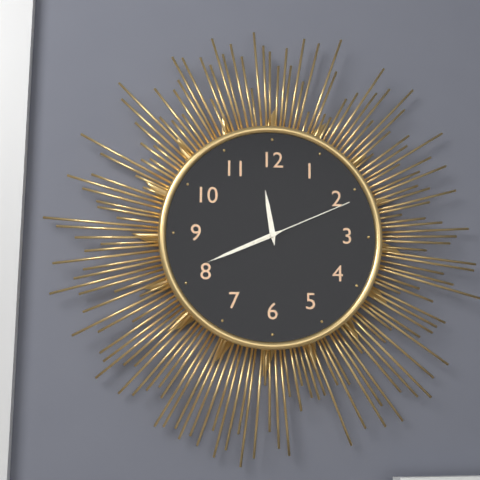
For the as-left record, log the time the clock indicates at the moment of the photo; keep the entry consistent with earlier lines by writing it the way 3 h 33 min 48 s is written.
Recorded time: 11 h 41 min 11 s
